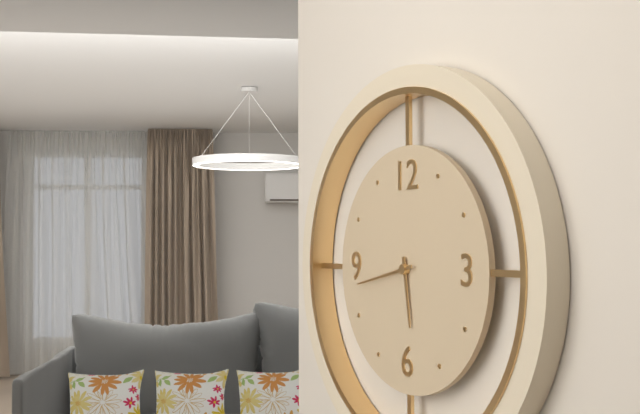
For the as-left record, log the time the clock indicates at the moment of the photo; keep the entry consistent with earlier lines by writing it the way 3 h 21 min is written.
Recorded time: 5 h 43 min
